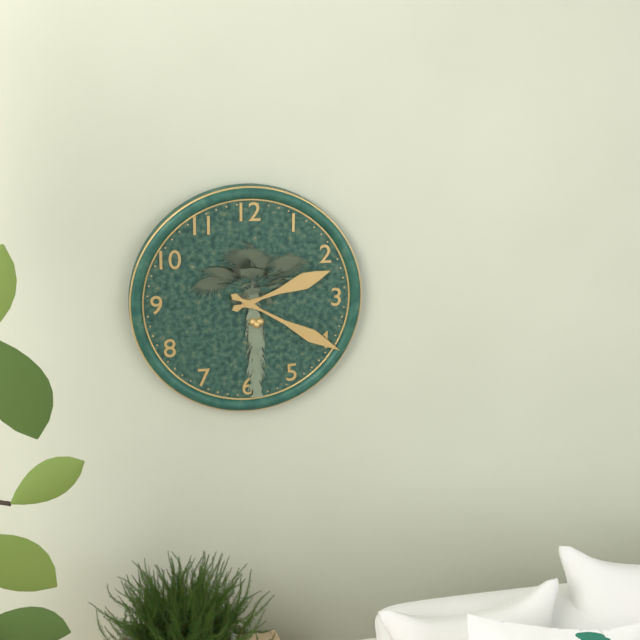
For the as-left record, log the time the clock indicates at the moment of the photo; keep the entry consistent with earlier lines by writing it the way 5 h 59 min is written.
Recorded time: 2 h 20 min
